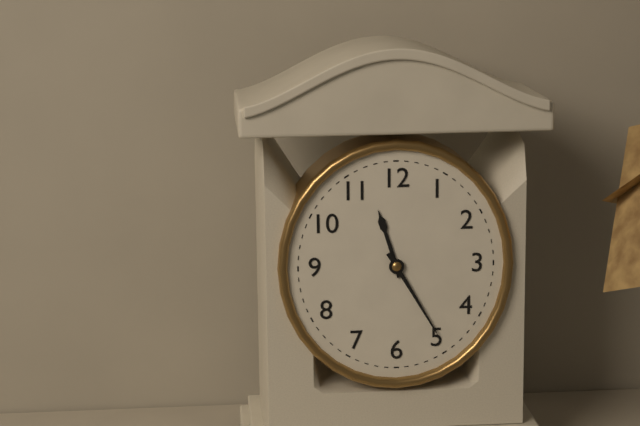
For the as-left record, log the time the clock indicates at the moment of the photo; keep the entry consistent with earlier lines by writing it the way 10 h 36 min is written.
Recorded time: 11 h 25 min
